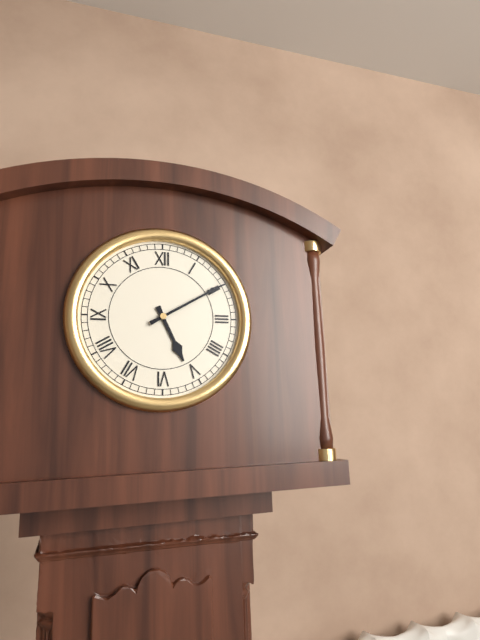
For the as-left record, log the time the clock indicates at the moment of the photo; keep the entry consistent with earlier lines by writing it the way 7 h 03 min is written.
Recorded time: 5 h 10 min
